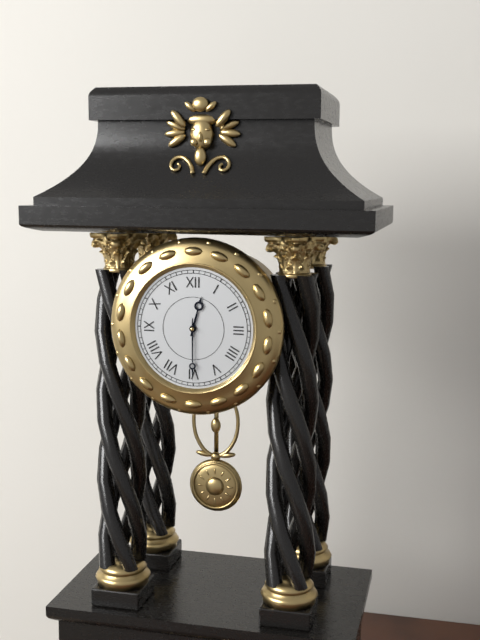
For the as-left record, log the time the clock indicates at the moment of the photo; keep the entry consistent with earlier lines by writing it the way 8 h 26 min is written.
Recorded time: 12 h 30 min
